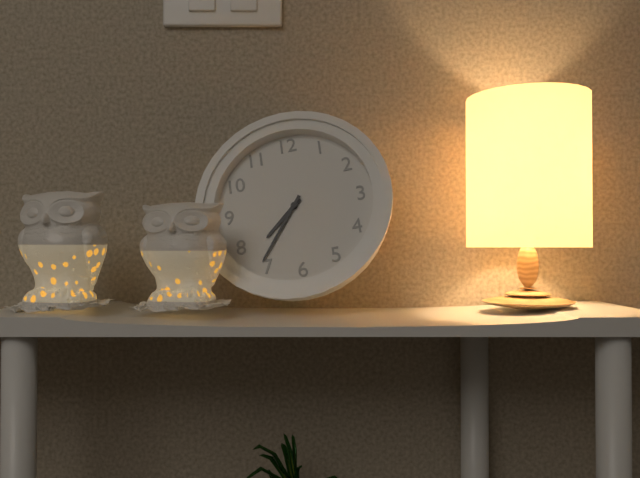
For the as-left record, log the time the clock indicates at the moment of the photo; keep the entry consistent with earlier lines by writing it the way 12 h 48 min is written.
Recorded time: 7 h 36 min
